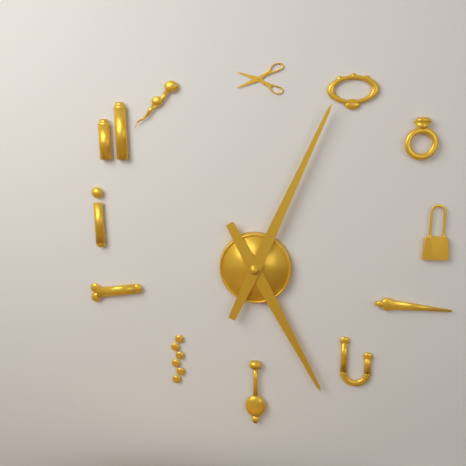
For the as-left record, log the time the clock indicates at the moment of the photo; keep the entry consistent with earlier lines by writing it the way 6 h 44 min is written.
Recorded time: 5 h 04 min
